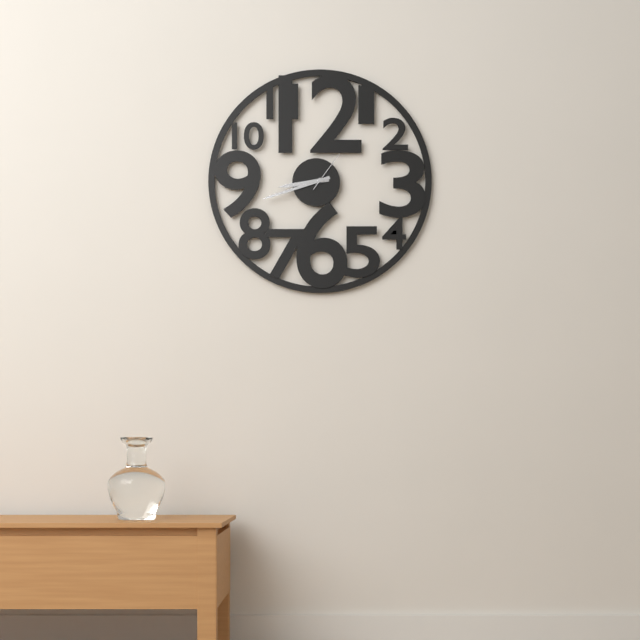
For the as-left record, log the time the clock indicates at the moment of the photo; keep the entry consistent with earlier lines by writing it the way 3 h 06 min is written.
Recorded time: 8 h 42 min
